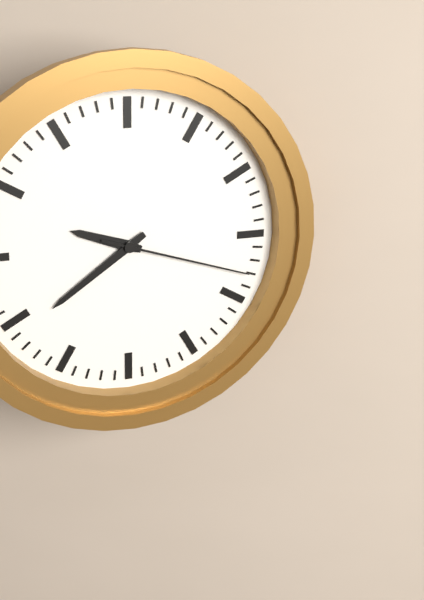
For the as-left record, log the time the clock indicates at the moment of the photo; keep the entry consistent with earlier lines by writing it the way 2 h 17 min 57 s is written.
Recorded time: 9 h 39 min 18 s
